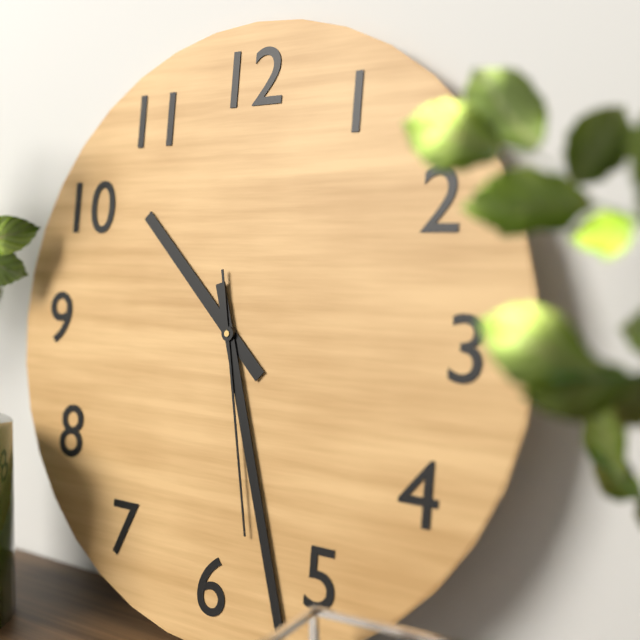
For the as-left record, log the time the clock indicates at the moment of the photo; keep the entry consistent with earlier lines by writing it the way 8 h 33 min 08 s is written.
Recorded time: 10 h 27 min 28 s
